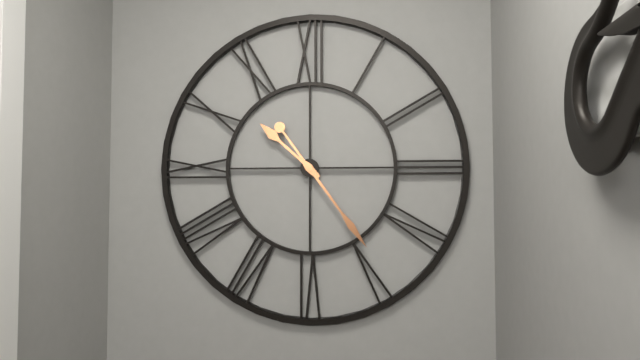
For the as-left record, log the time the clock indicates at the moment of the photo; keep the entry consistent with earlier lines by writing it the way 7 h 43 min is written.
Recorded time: 10 h 24 min
